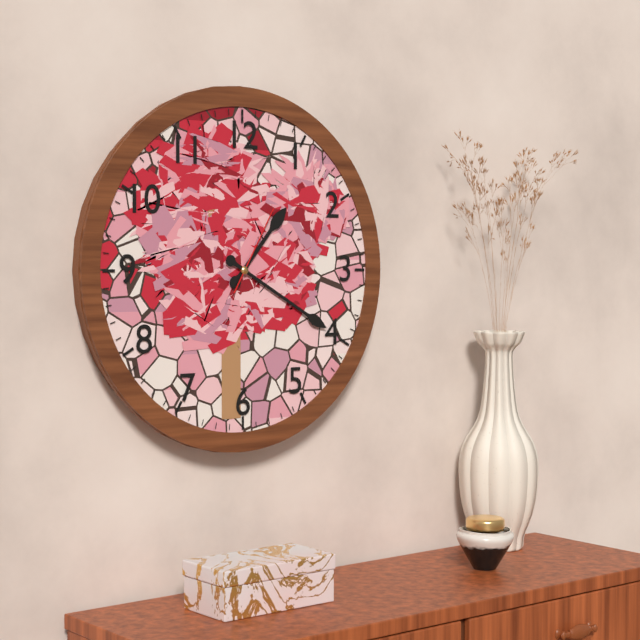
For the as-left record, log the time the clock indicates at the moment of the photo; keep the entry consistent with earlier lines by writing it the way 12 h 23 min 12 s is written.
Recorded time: 1 h 20 min 05 s
